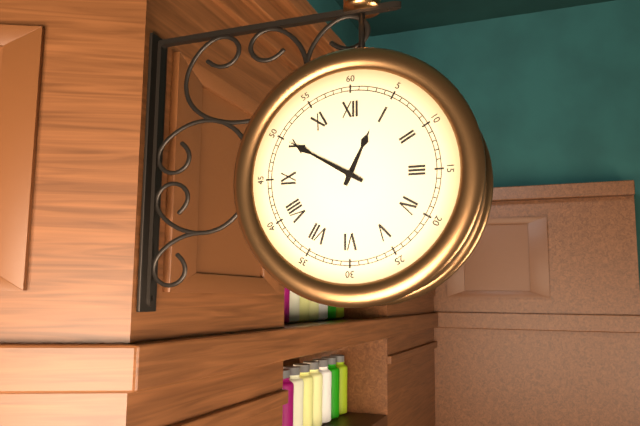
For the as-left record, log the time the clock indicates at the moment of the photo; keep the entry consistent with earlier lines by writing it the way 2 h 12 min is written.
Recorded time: 12 h 50 min
